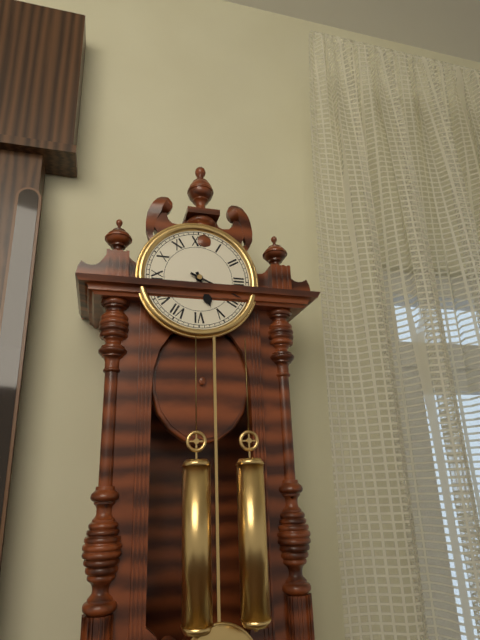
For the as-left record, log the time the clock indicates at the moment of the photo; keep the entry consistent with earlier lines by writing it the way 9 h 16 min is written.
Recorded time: 5 h 19 min
